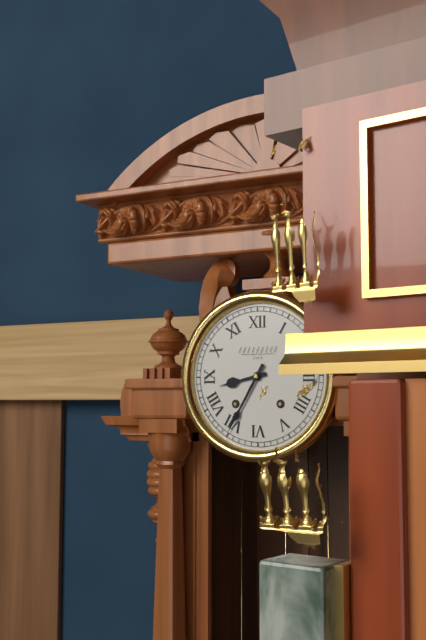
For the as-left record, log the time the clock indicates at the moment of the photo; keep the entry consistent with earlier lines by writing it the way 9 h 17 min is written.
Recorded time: 8 h 35 min
